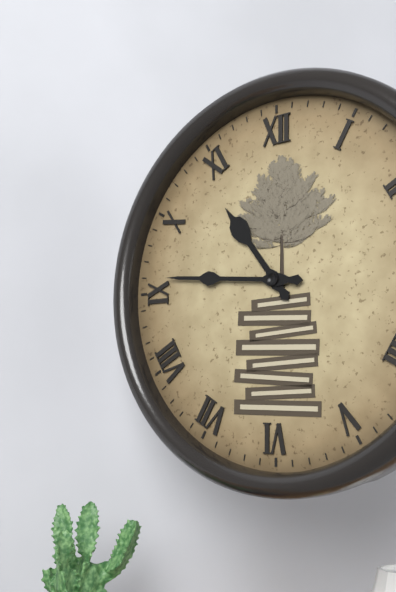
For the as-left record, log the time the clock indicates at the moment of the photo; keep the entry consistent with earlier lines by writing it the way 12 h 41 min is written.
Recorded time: 10 h 46 min
